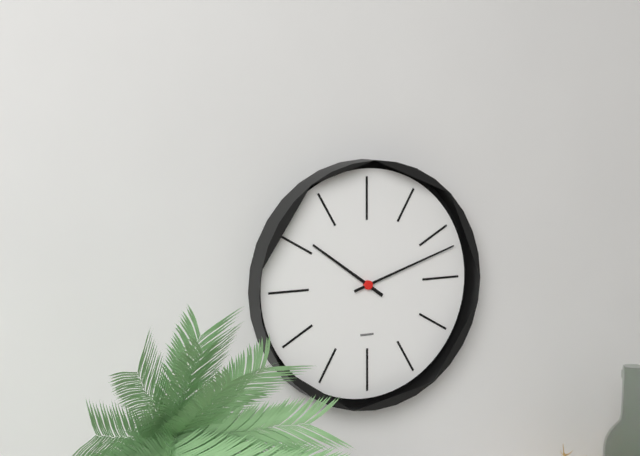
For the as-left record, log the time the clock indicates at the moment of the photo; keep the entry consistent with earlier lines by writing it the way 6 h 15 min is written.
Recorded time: 10 h 12 min
